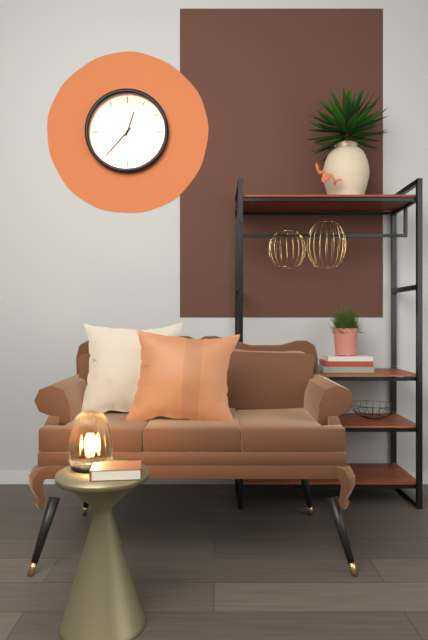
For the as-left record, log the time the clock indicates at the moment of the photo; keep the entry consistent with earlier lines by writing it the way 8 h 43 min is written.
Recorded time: 12 h 37 min
